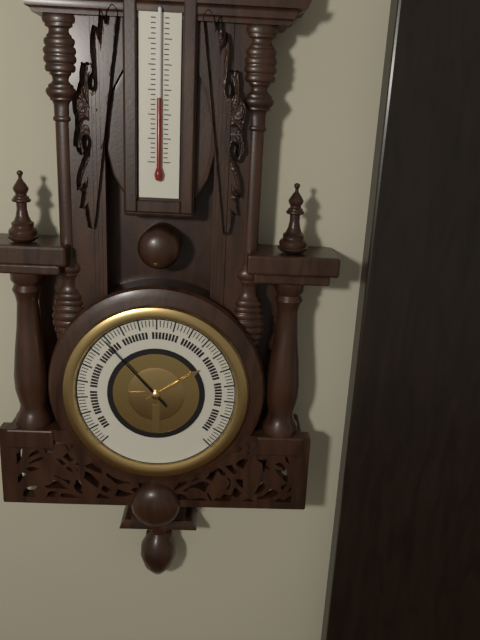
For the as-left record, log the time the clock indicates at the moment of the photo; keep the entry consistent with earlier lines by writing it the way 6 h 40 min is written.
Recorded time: 1 h 53 min
